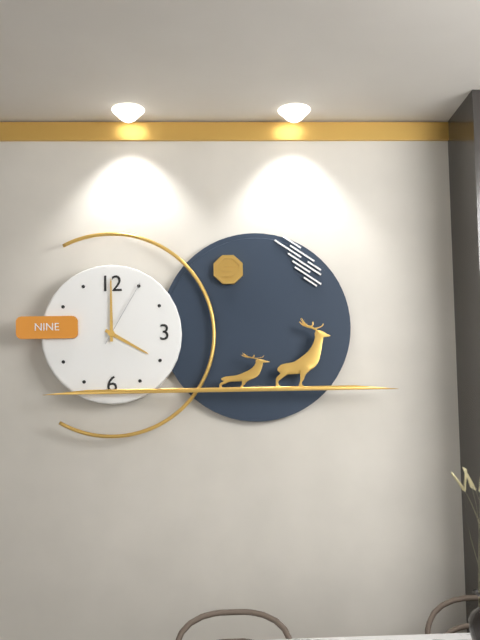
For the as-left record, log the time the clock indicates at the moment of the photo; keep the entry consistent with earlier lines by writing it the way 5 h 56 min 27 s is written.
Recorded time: 4 h 00 min 05 s
